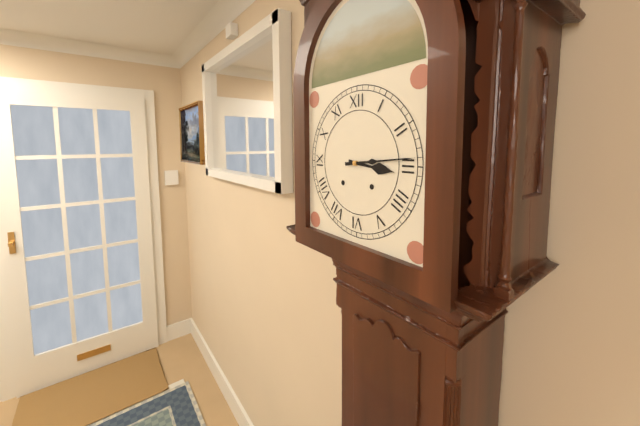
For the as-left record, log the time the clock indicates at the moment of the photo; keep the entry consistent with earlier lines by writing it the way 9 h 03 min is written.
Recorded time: 3 h 14 min
